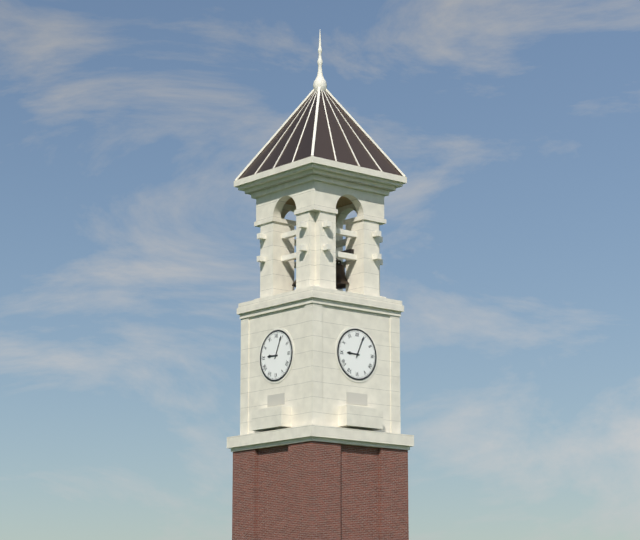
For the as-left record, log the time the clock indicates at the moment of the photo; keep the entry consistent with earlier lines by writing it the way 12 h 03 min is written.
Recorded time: 9 h 04 min
